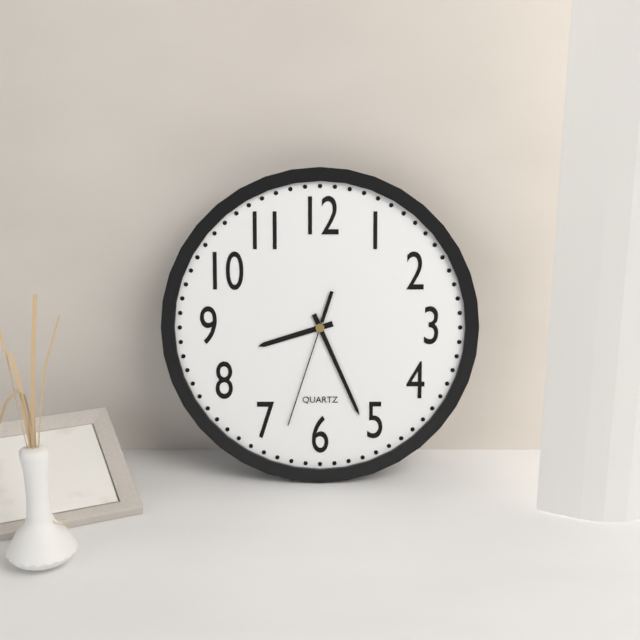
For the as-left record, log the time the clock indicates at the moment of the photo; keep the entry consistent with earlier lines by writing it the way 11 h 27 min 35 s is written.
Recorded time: 8 h 26 min 33 s
